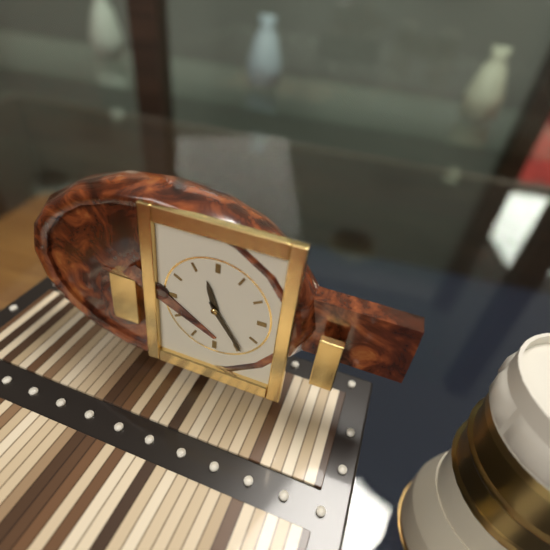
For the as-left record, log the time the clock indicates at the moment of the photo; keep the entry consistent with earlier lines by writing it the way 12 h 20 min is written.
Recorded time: 11 h 24 min
